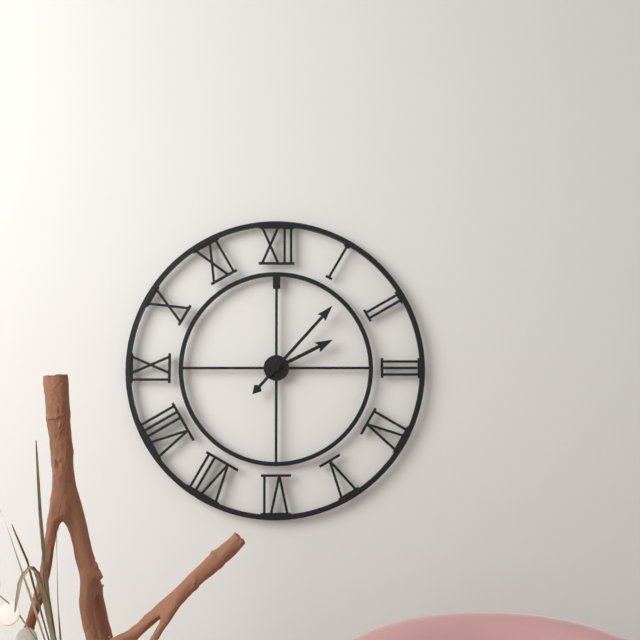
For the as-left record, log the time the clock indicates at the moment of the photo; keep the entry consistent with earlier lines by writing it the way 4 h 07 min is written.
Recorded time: 2 h 07 min
